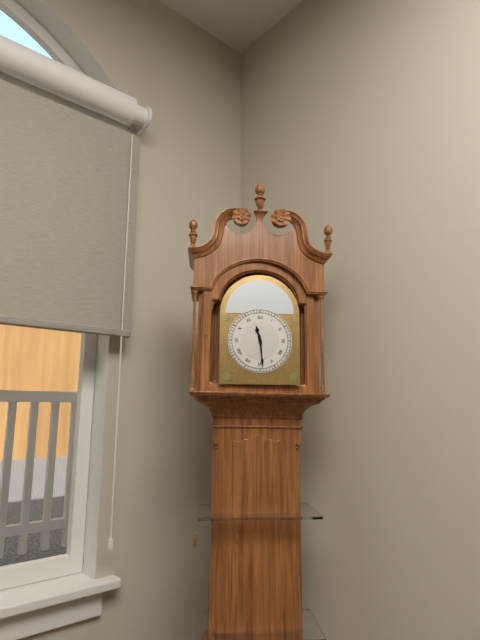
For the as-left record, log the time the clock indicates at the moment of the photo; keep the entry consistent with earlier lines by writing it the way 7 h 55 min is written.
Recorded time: 11 h 29 min
